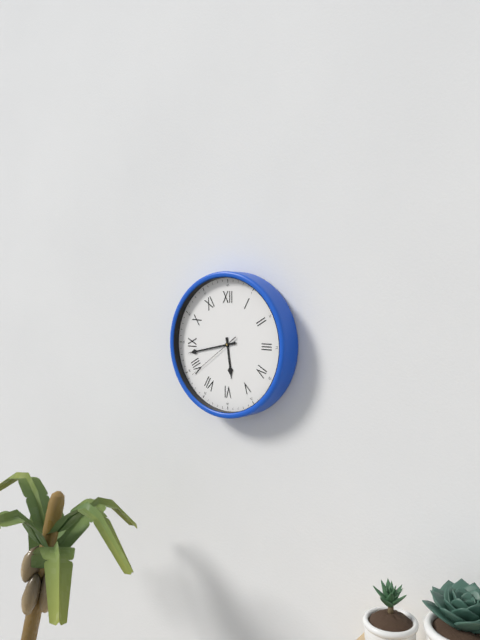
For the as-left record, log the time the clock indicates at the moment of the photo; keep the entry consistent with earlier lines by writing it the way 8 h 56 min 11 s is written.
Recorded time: 5 h 43 min 39 s
